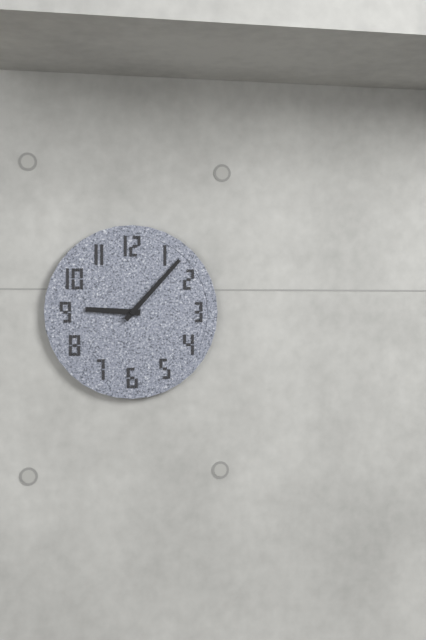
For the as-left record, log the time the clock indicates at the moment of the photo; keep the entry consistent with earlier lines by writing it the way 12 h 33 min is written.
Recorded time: 9 h 07 min
